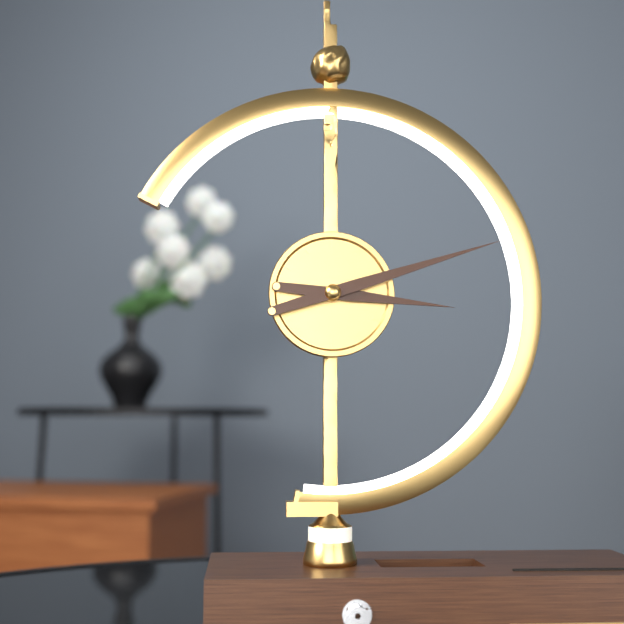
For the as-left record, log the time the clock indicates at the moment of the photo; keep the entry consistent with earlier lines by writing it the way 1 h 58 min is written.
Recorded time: 3 h 12 min
